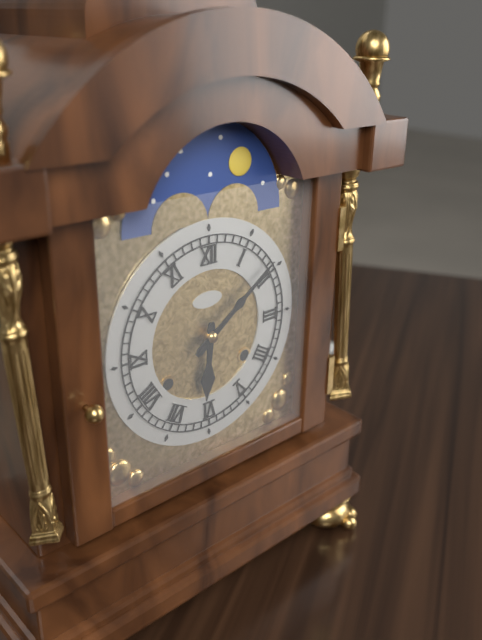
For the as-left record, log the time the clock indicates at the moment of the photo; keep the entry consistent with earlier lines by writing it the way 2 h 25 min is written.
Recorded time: 6 h 09 min
